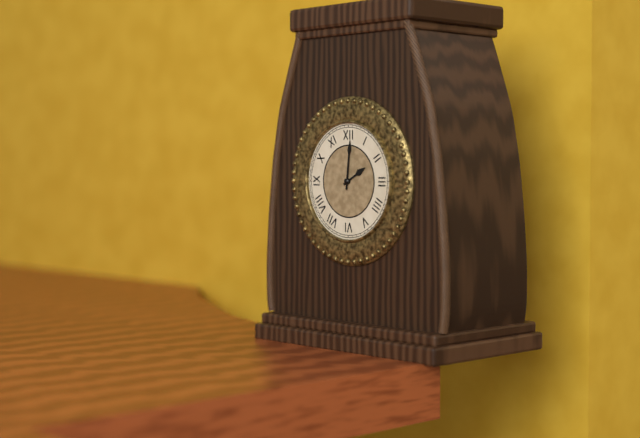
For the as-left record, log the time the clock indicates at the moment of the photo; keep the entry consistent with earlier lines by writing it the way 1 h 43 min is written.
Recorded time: 2 h 01 min
